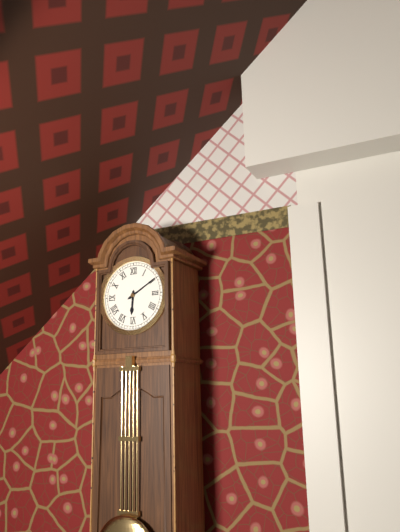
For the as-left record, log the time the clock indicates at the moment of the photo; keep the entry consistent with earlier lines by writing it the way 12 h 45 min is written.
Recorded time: 6 h 10 min
